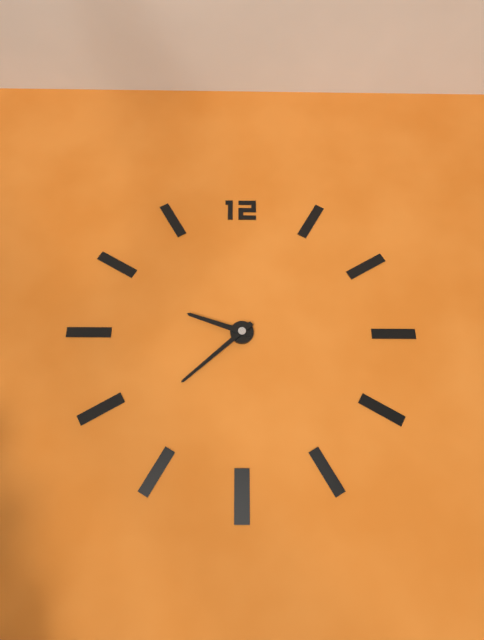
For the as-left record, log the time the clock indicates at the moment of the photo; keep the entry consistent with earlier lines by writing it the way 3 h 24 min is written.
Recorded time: 9 h 38 min
